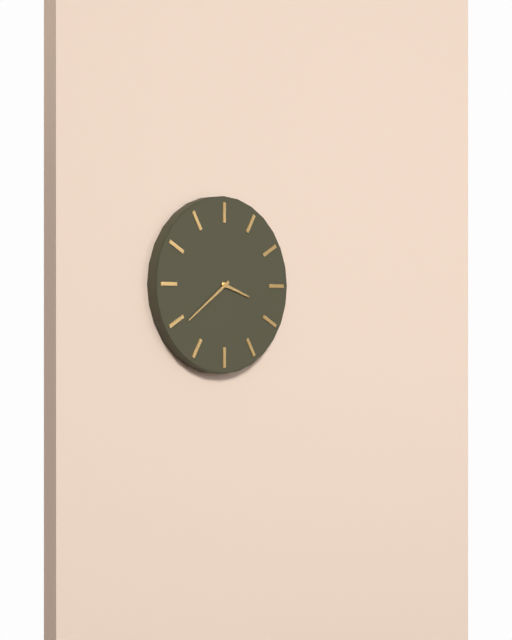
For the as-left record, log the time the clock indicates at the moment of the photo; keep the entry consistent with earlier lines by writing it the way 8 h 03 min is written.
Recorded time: 3 h 39 min
